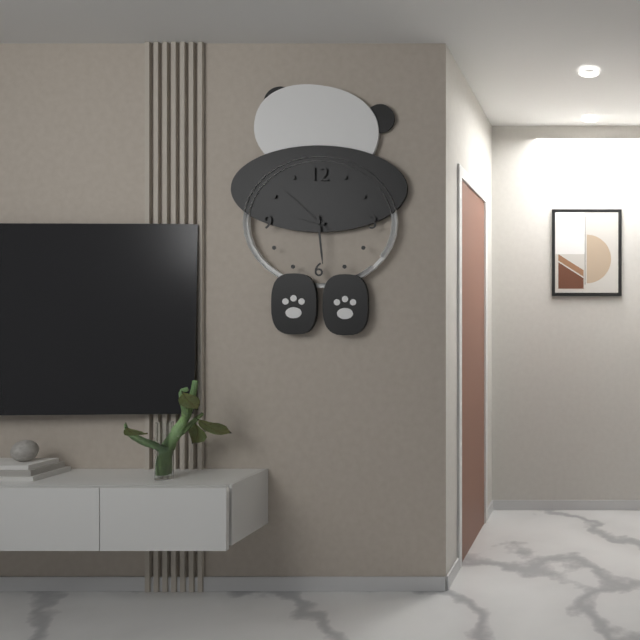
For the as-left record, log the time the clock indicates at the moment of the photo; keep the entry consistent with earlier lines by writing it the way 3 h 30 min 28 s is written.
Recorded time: 9 h 29 min 52 s
